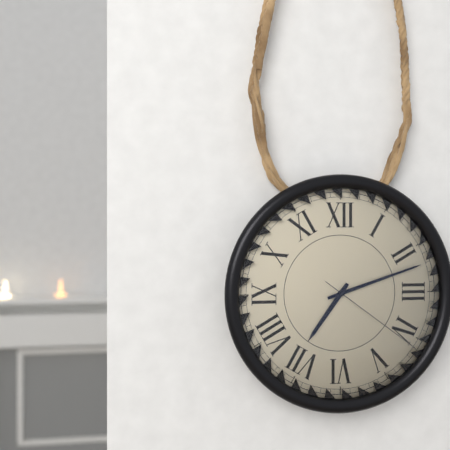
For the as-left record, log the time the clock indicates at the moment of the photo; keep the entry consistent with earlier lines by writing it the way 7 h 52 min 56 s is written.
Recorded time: 7 h 12 min 21 s
